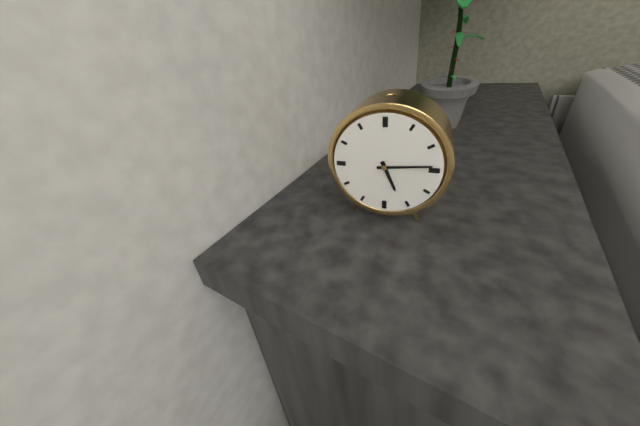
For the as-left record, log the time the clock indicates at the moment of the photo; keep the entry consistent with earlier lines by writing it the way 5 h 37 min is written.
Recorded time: 5 h 14 min
